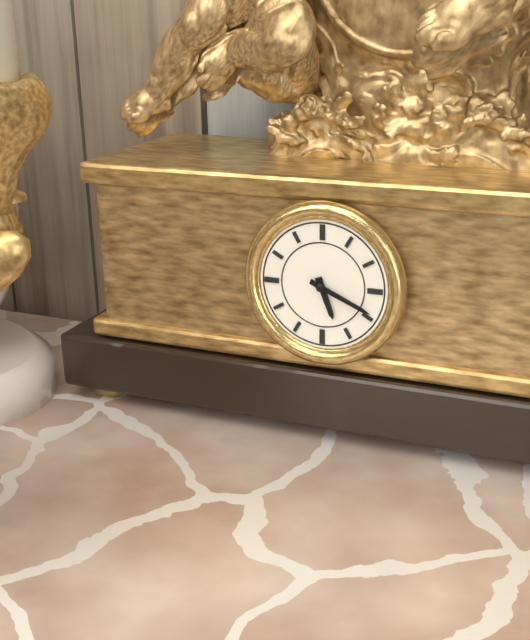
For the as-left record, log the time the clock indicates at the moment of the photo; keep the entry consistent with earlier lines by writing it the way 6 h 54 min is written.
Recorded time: 5 h 19 min
